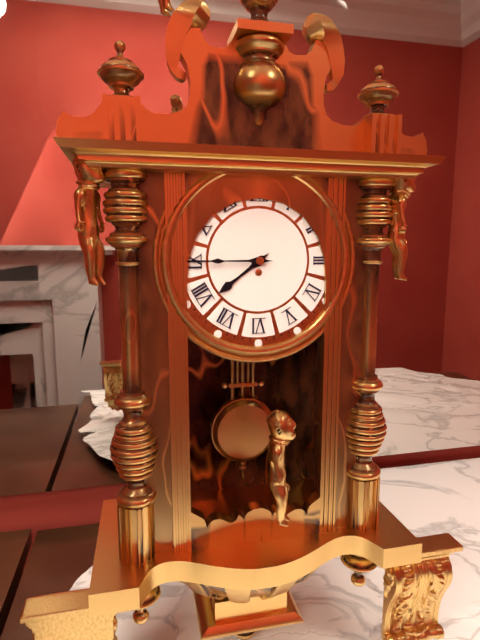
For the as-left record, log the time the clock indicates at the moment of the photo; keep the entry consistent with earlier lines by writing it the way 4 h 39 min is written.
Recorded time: 7 h 45 min
